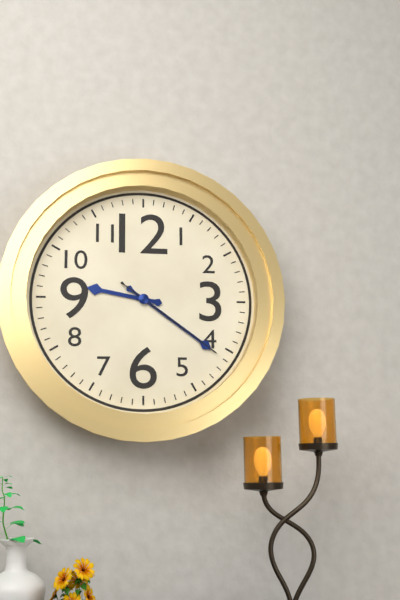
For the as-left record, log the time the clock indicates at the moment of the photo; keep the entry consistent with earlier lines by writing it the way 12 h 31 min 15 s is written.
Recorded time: 9 h 21 min 21 s
